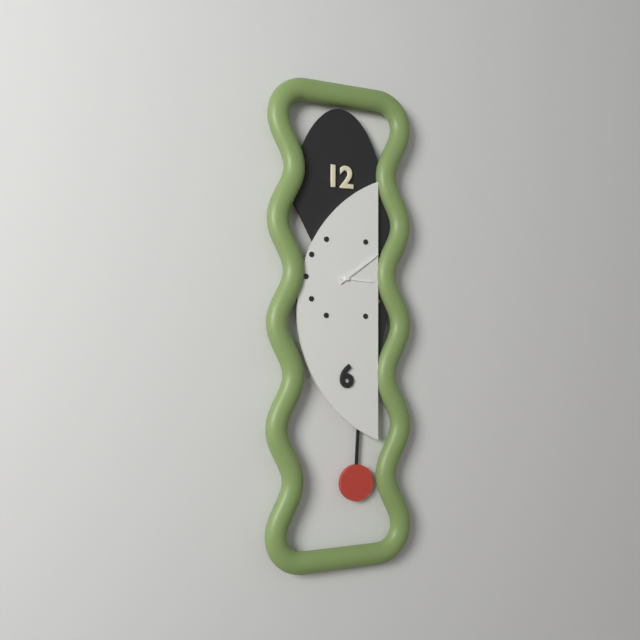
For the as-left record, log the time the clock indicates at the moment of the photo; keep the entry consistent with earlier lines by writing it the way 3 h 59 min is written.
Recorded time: 3 h 09 min
